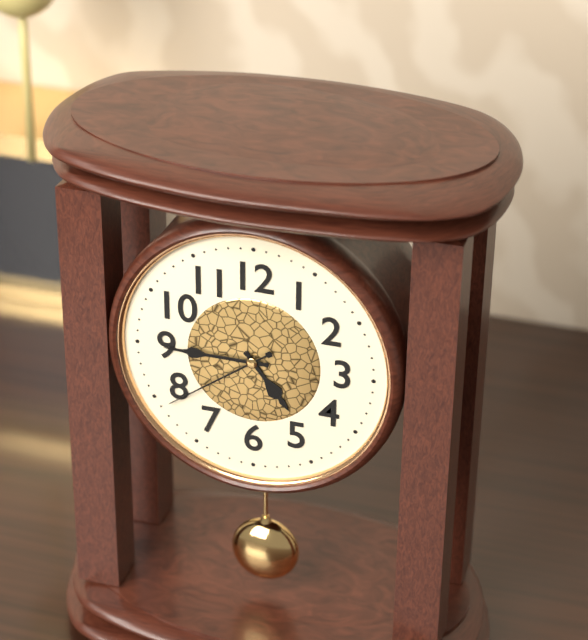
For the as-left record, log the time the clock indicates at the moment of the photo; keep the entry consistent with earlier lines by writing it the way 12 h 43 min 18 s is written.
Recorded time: 4 h 45 min 39 s
